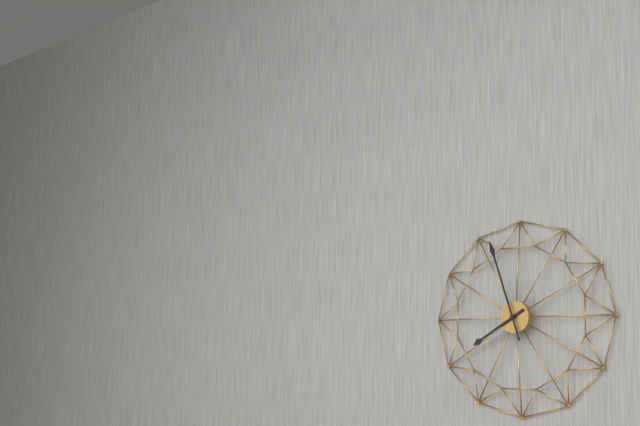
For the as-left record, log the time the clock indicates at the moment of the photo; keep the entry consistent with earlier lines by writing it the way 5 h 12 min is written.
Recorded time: 7 h 57 min
